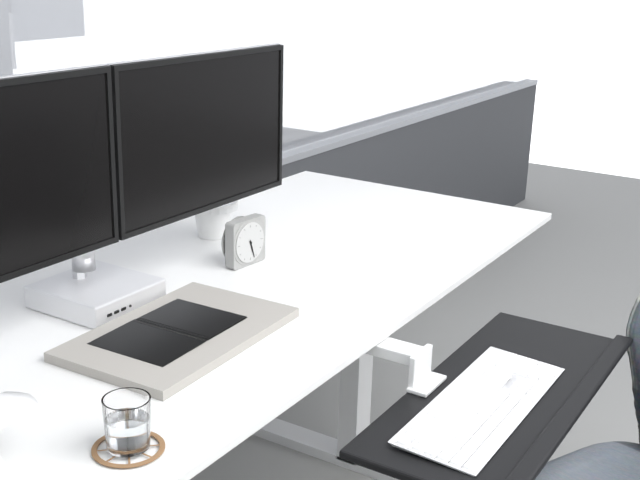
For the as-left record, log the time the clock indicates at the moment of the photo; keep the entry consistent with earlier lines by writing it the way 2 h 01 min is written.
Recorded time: 5 h 27 min
